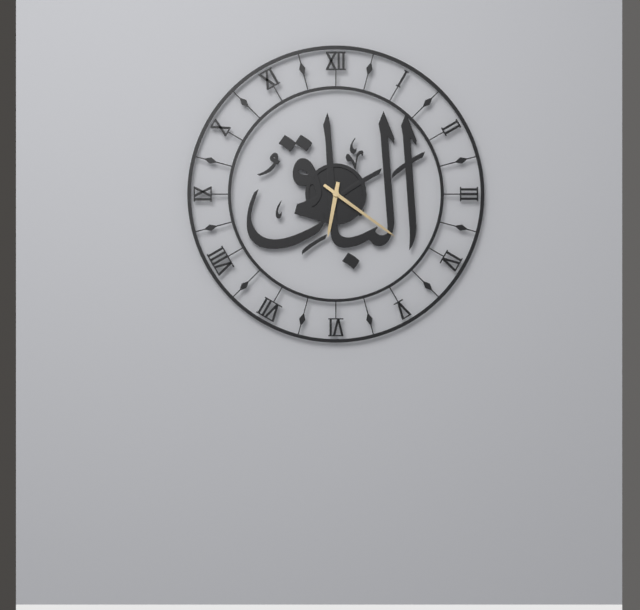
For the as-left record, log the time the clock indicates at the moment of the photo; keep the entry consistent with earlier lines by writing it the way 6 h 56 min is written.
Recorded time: 6 h 21 min
